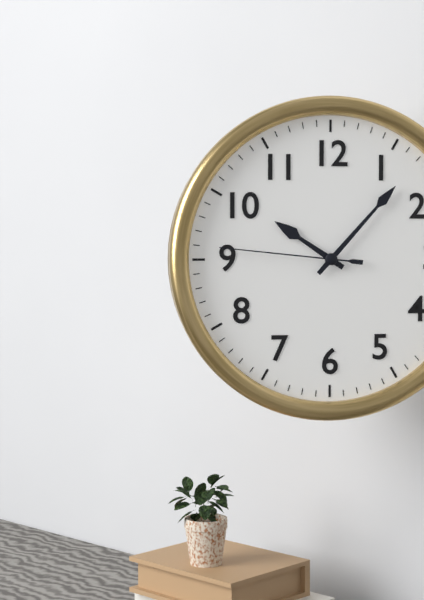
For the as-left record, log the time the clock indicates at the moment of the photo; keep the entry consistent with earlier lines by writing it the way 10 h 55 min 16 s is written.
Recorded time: 10 h 07 min 46 s
